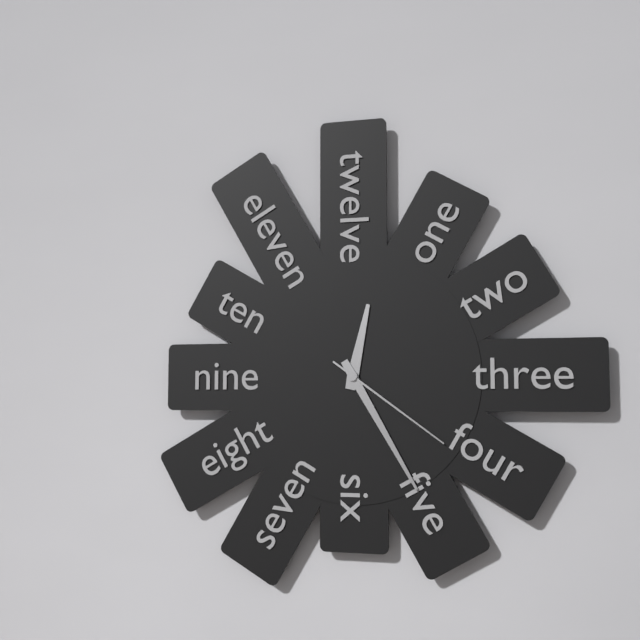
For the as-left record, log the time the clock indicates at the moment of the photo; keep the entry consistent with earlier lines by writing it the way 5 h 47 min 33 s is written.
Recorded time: 12 h 25 min 21 s
